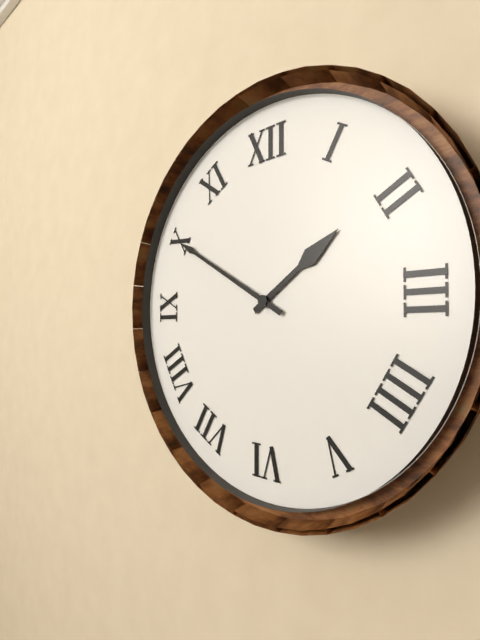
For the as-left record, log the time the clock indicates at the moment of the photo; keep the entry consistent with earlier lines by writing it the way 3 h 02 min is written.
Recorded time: 1 h 50 min
